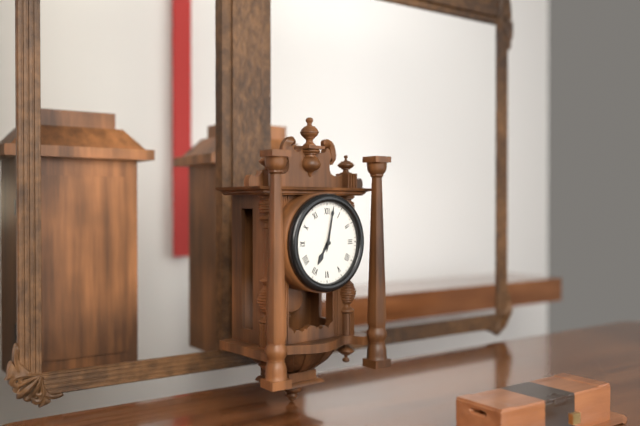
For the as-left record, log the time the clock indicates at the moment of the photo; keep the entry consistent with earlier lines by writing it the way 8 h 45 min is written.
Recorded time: 7 h 02 min
